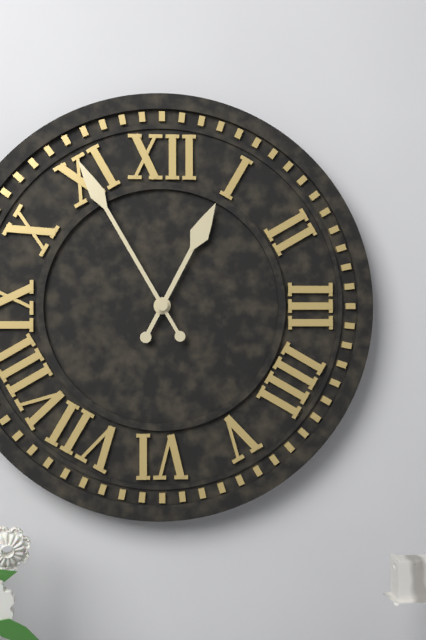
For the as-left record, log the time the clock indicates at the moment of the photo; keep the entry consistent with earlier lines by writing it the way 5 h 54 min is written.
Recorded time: 12 h 55 min
